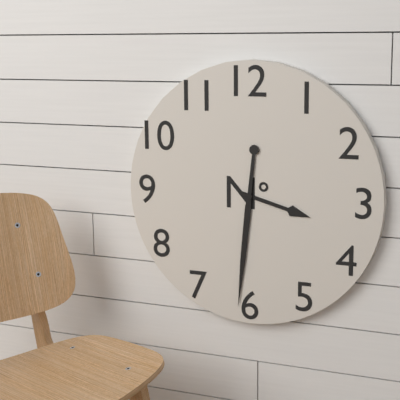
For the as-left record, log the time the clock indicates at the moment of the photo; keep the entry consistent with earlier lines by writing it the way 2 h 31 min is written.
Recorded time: 3 h 31 min
